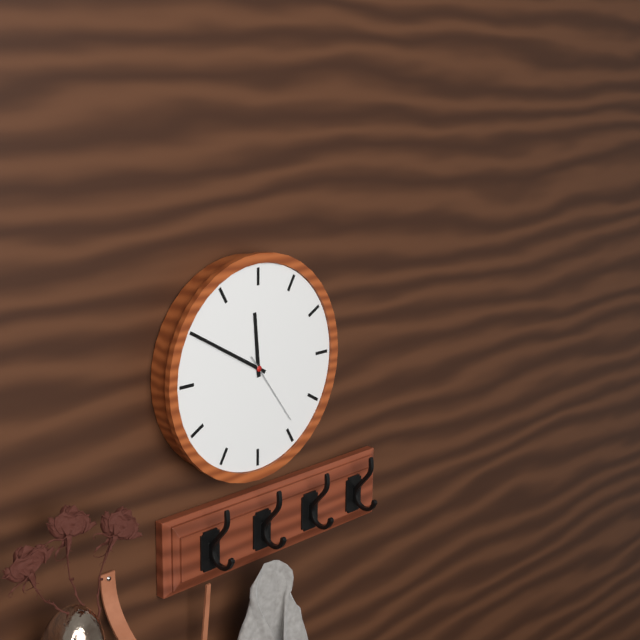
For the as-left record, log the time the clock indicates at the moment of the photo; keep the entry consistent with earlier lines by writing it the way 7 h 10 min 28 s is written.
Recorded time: 11 h 50 min 24 s
